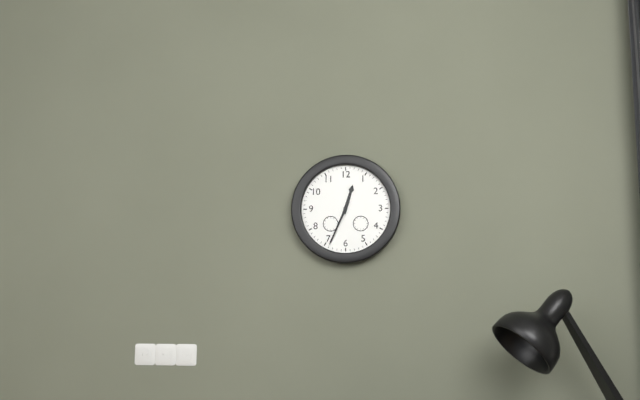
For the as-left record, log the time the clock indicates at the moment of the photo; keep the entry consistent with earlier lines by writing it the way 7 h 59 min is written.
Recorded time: 12 h 34 min
